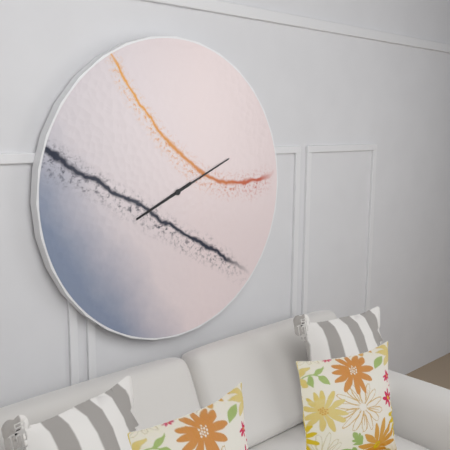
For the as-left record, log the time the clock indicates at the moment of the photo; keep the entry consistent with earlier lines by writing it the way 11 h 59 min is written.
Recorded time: 8 h 11 min
